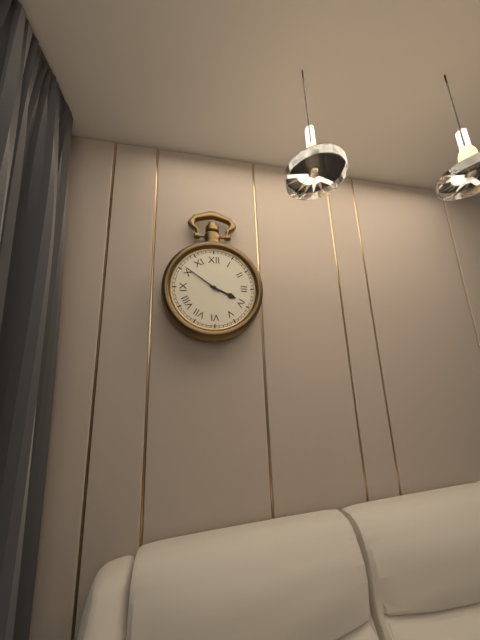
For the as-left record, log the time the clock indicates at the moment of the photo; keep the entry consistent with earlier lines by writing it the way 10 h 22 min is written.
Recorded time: 3 h 51 min
